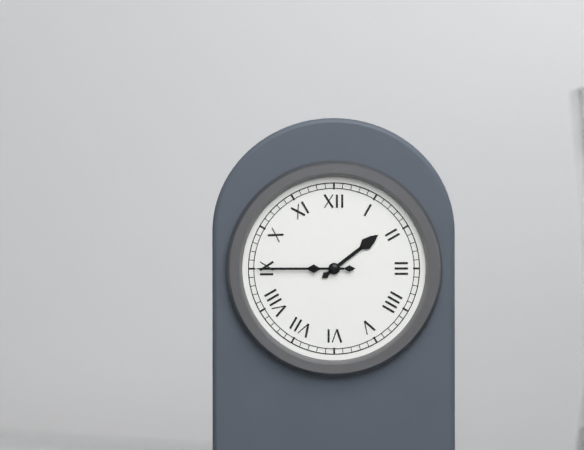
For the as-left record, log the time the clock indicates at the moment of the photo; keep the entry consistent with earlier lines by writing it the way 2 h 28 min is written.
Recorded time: 1 h 45 min
